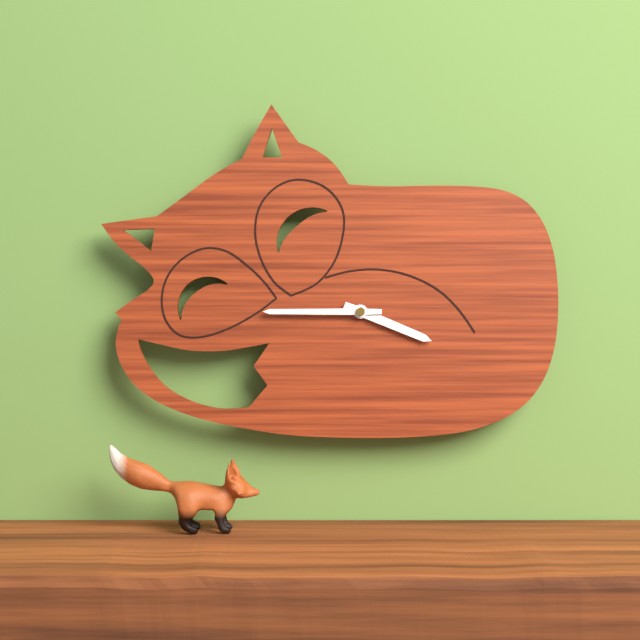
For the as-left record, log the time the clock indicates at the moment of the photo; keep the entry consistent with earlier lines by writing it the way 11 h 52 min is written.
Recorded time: 3 h 45 min
